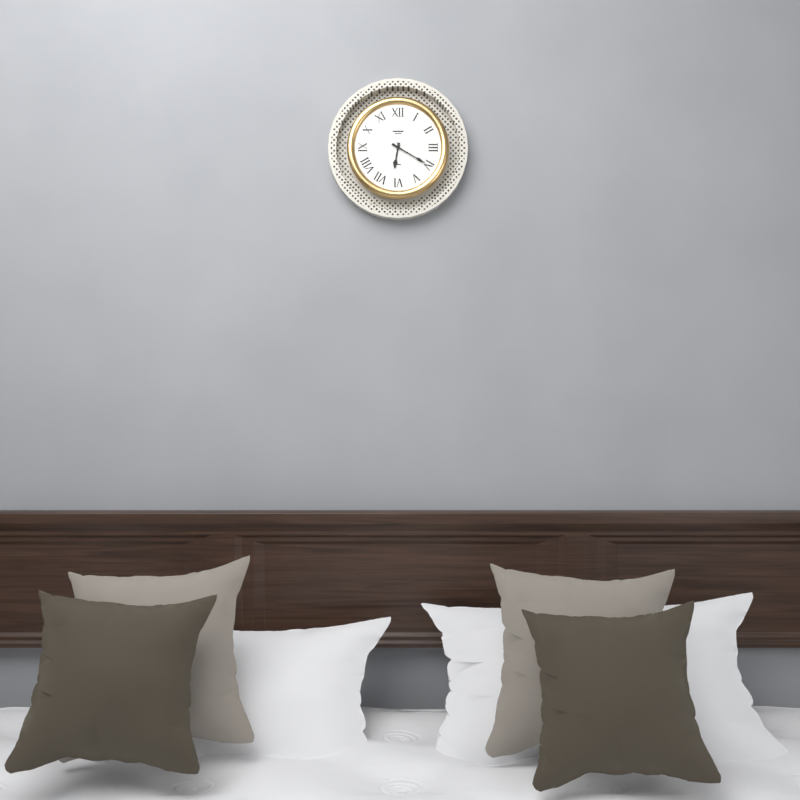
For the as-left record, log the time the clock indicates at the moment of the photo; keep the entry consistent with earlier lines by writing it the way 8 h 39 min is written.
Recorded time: 6 h 20 min
